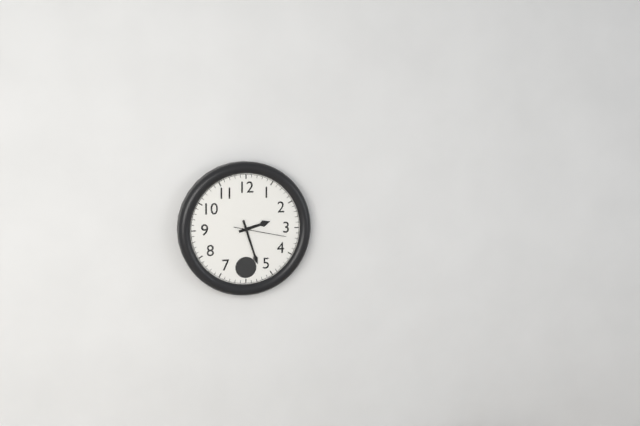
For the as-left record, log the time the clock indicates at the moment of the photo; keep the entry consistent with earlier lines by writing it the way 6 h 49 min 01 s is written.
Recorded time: 2 h 27 min 17 s
